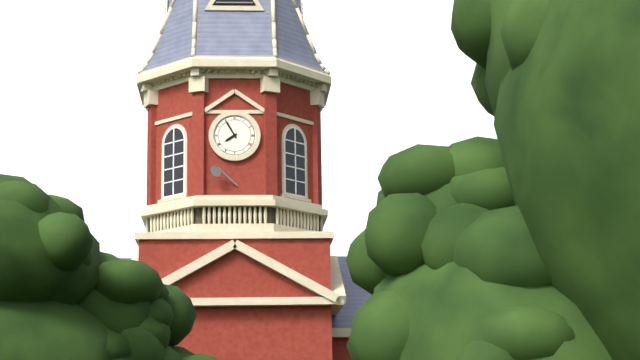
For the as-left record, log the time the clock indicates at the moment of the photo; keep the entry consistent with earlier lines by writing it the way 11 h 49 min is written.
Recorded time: 7 h 55 min
